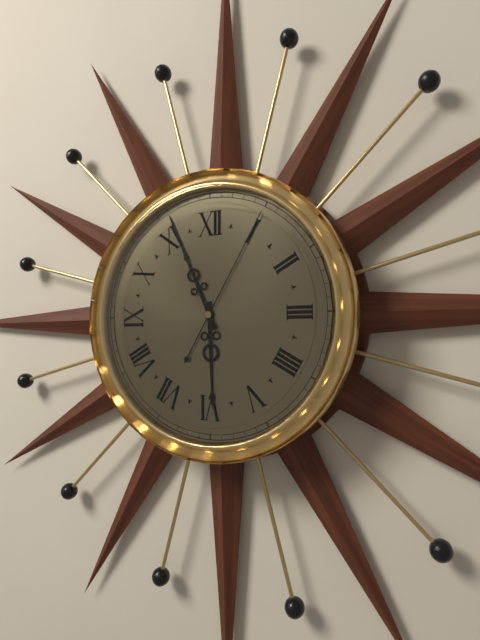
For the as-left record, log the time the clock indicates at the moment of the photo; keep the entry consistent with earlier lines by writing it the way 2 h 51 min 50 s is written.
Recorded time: 5 h 56 min 05 s
